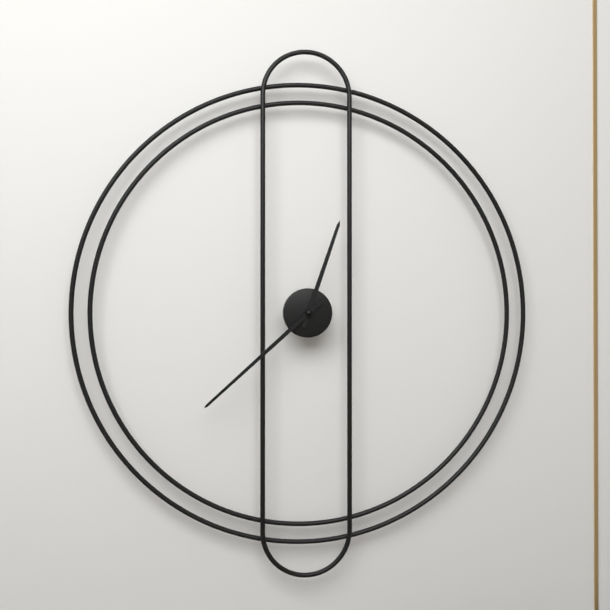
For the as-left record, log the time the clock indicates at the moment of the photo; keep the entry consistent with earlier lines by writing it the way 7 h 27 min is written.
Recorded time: 12 h 38 min
